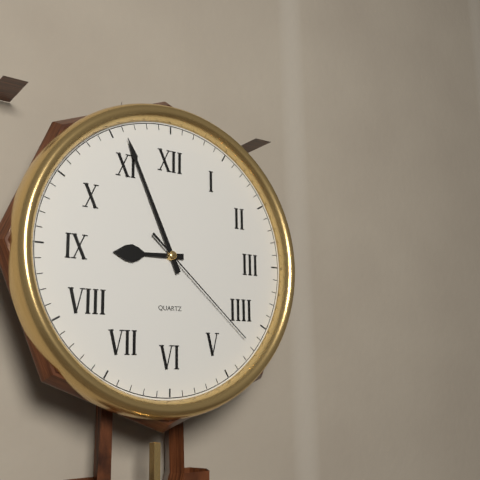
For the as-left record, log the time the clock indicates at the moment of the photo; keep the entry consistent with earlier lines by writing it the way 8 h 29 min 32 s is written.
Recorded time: 8 h 56 min 22 s
